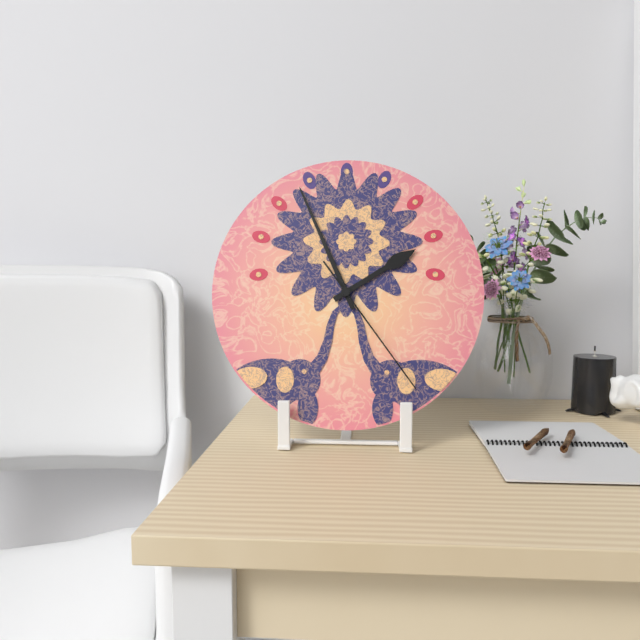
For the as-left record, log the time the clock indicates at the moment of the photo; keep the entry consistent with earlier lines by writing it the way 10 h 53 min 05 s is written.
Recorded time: 1 h 56 min 24 s
